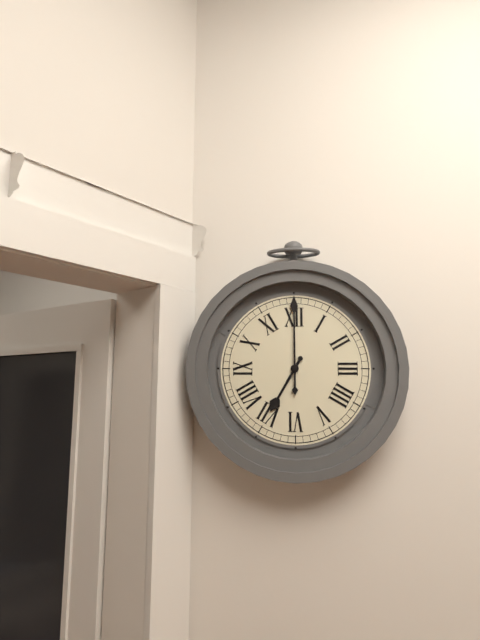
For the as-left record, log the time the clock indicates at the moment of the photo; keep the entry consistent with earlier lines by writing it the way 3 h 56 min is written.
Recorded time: 7 h 00 min
